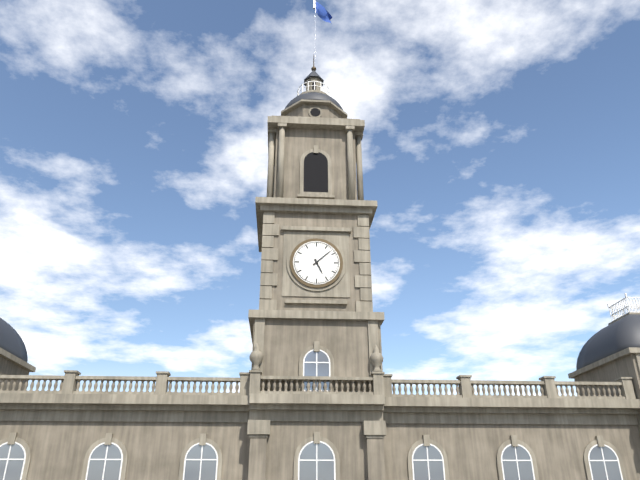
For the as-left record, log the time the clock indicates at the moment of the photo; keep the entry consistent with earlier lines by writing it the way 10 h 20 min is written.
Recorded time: 5 h 08 min
